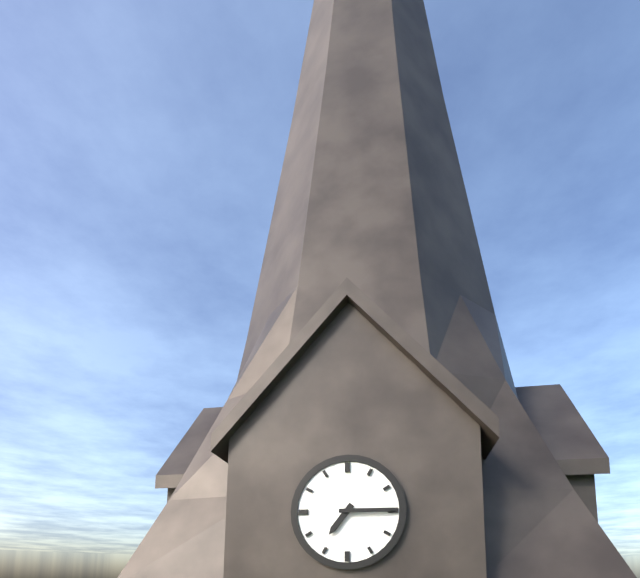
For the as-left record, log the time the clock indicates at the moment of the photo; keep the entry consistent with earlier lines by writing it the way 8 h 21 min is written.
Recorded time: 7 h 15 min
